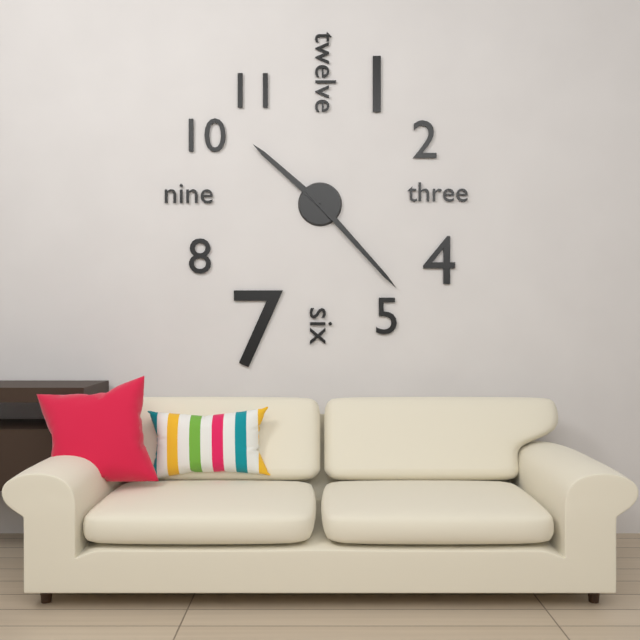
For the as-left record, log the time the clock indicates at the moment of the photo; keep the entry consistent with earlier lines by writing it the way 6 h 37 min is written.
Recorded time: 10 h 23 min
